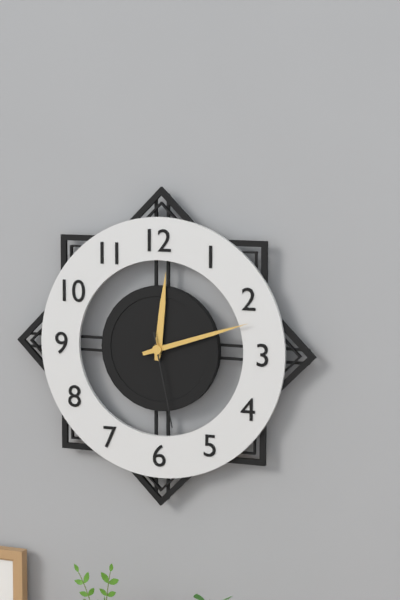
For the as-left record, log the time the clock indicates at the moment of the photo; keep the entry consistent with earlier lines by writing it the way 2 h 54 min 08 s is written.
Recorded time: 12 h 12 min 28 s
